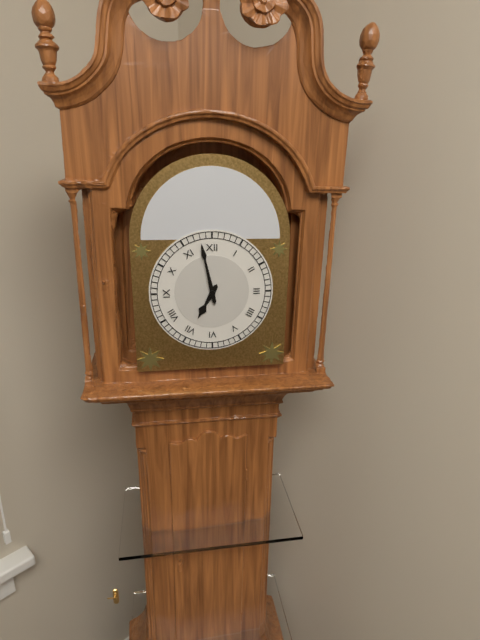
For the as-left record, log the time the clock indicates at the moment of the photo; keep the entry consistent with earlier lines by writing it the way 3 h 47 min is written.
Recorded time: 6 h 58 min
